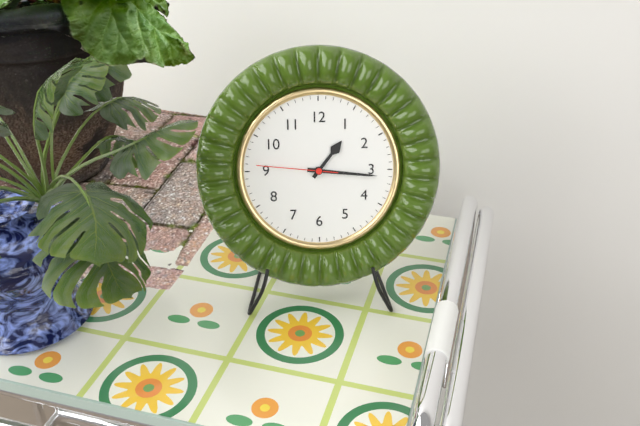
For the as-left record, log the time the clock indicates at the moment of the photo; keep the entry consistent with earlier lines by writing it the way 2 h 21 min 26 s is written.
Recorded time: 1 h 16 min 46 s
